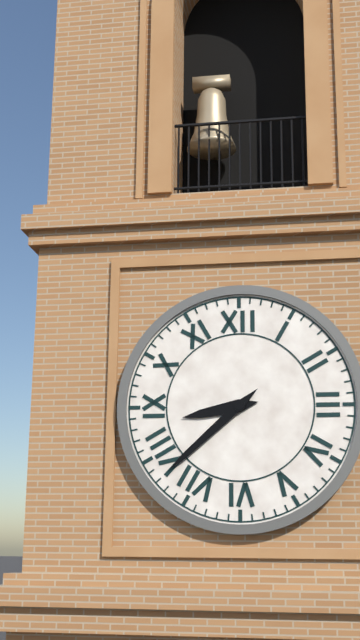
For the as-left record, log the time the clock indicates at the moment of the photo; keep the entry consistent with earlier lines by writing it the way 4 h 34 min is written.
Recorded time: 8 h 38 min
